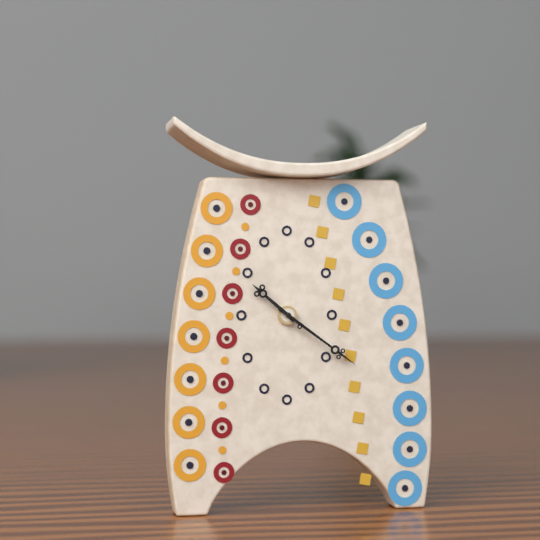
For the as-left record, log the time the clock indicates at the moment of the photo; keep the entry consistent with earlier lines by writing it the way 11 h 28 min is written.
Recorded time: 10 h 21 min
